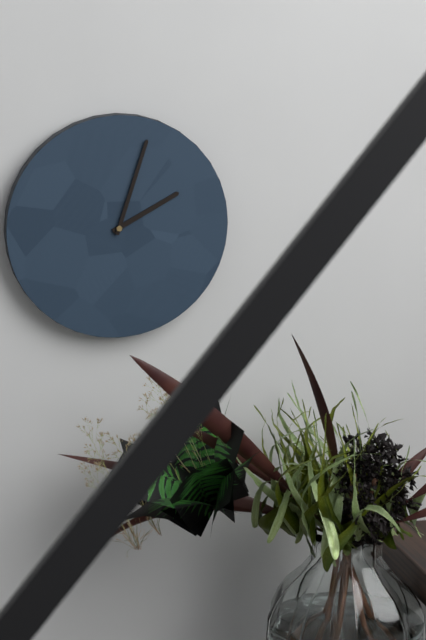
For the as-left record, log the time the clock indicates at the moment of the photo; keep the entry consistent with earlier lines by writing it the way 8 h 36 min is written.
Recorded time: 2 h 03 min
